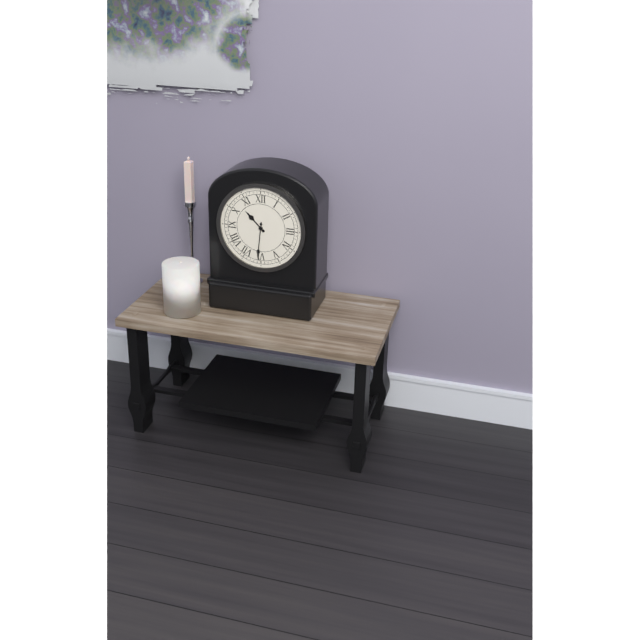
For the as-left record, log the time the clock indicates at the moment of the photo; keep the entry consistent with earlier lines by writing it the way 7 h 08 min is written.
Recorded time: 10 h 31 min
